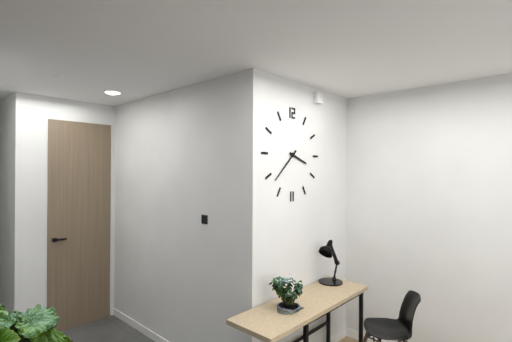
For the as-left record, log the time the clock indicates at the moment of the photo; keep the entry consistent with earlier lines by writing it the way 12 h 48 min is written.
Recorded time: 3 h 38 min
